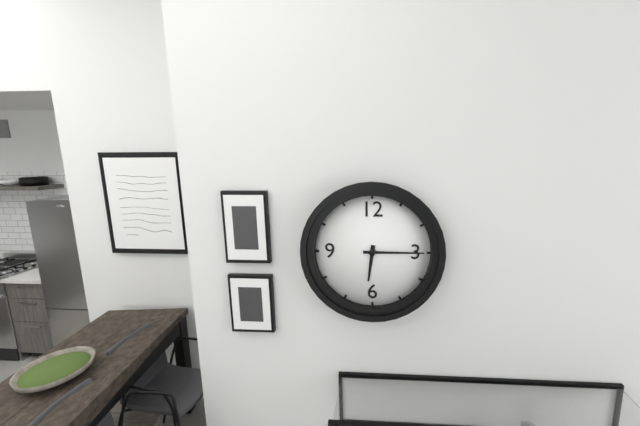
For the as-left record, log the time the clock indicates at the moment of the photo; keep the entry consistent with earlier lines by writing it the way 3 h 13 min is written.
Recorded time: 6 h 15 min
